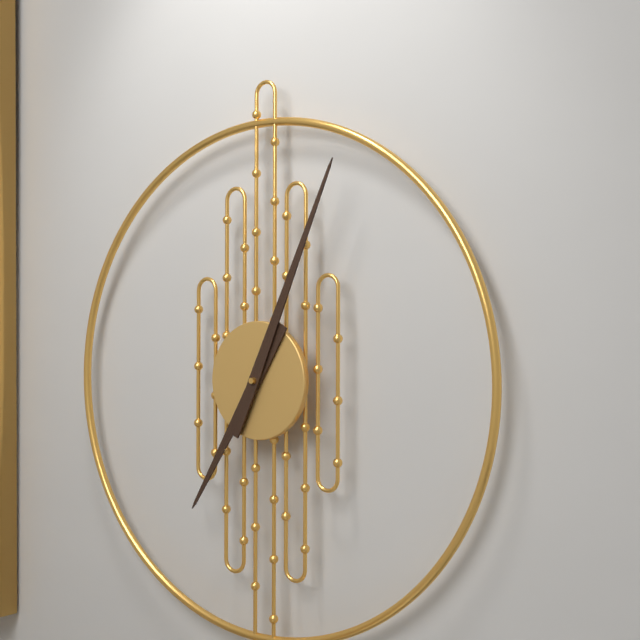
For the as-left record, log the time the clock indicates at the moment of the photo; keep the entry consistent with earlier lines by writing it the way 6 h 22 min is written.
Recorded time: 7 h 04 min
